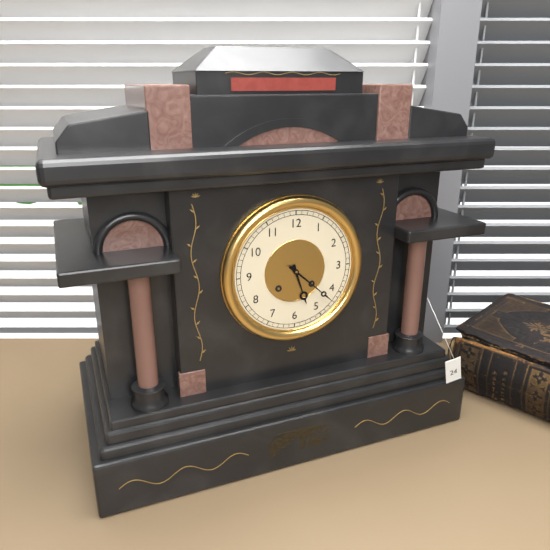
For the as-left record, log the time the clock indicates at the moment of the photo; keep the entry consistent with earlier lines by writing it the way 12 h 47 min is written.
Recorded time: 5 h 22 min
